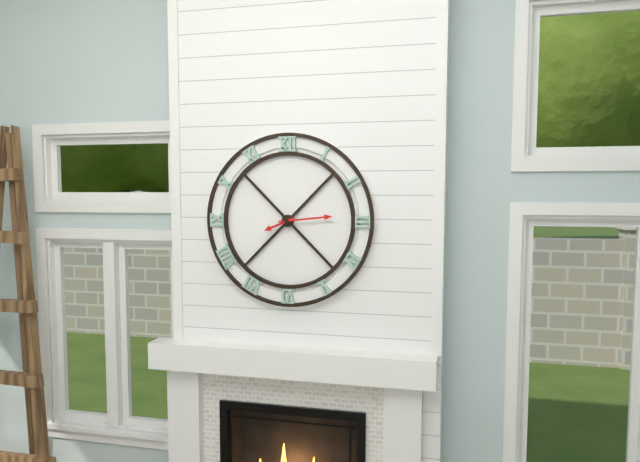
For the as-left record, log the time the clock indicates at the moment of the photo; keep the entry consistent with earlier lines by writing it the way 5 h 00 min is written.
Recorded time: 8 h 14 min
